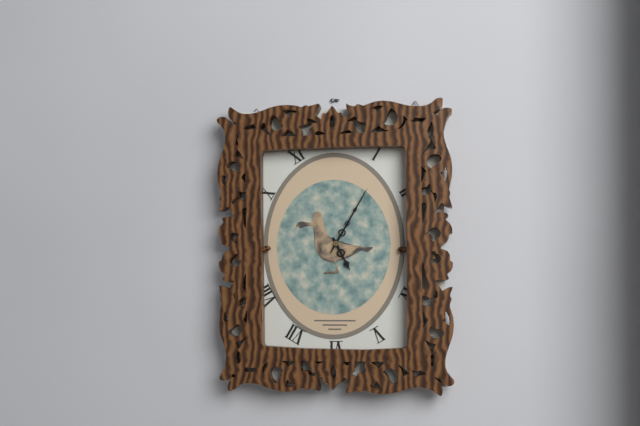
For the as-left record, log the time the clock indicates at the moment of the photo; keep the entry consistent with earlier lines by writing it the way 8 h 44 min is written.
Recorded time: 5 h 05 min
